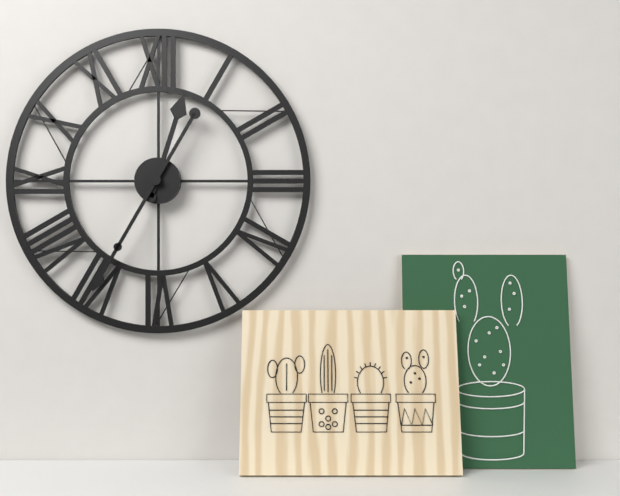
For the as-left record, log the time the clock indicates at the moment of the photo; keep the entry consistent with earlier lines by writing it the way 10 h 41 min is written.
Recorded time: 12 h 35 min
